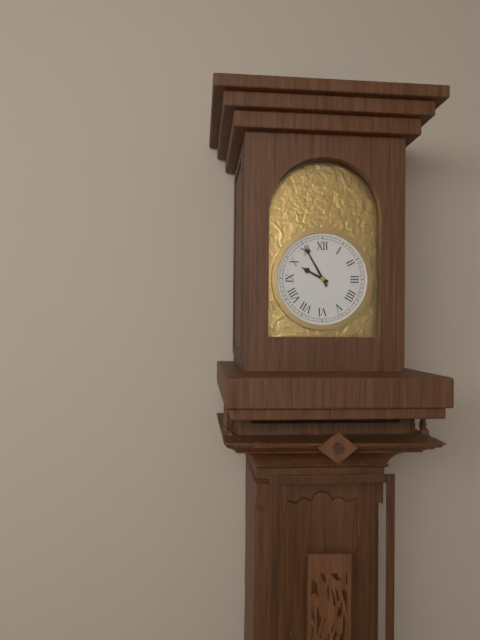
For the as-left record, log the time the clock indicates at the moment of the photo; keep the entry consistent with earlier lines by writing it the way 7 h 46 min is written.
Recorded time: 9 h 55 min
